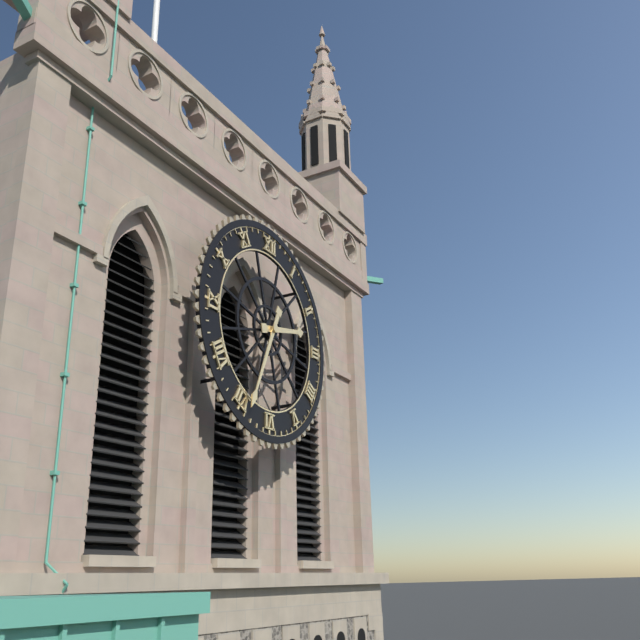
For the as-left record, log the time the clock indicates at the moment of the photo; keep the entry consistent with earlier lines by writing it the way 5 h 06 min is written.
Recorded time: 2 h 34 min
